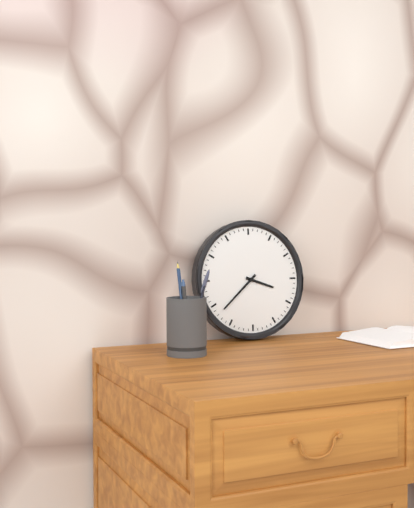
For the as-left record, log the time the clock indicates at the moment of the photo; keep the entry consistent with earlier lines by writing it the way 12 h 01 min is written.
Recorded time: 3 h 38 min
